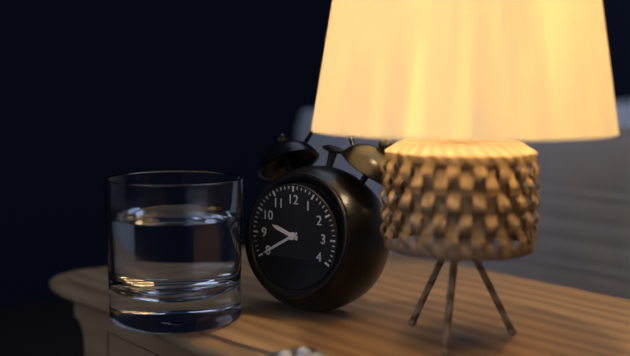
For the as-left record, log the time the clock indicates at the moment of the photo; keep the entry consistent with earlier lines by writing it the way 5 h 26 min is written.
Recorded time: 9 h 40 min
